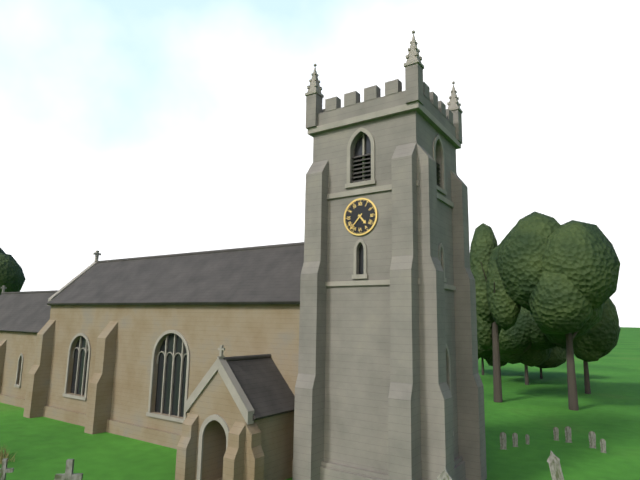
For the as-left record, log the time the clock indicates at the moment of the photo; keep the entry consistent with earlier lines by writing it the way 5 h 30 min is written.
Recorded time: 4 h 37 min
